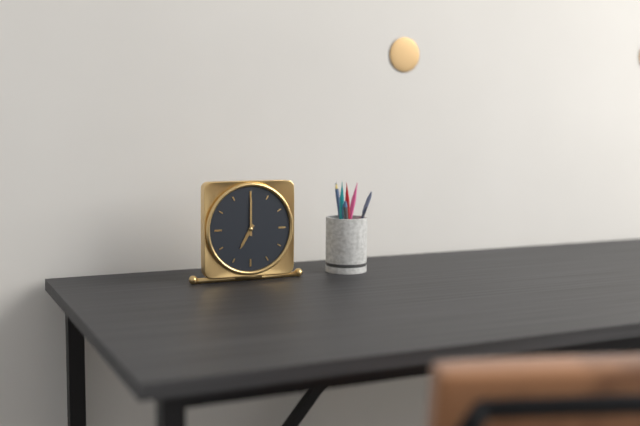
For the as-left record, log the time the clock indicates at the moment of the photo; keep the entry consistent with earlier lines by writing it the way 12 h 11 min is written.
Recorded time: 7 h 00 min
